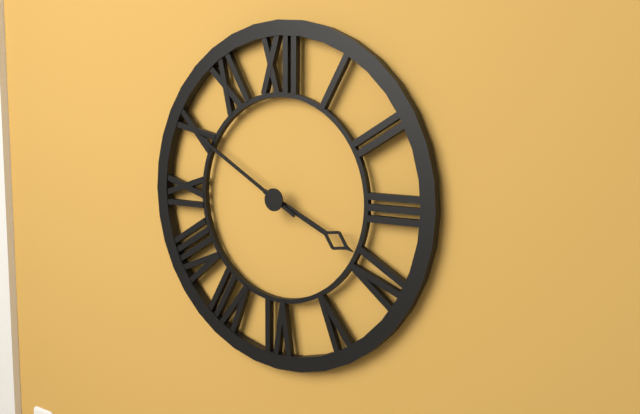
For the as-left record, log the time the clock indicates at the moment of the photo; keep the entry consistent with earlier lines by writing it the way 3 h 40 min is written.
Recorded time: 3 h 50 min
